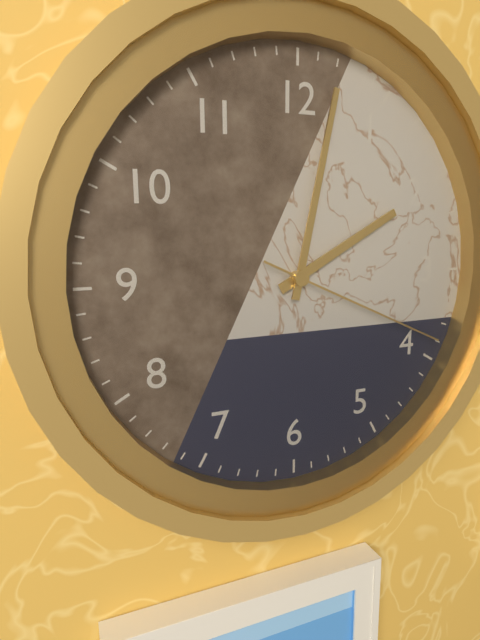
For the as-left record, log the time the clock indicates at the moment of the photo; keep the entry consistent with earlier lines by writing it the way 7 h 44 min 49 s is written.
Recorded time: 2 h 02 min 19 s
